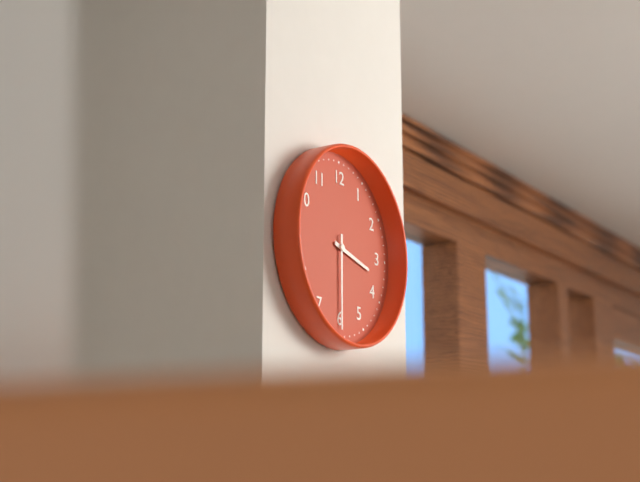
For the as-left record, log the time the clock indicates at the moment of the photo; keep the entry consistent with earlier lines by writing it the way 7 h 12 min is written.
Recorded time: 3 h 30 min
